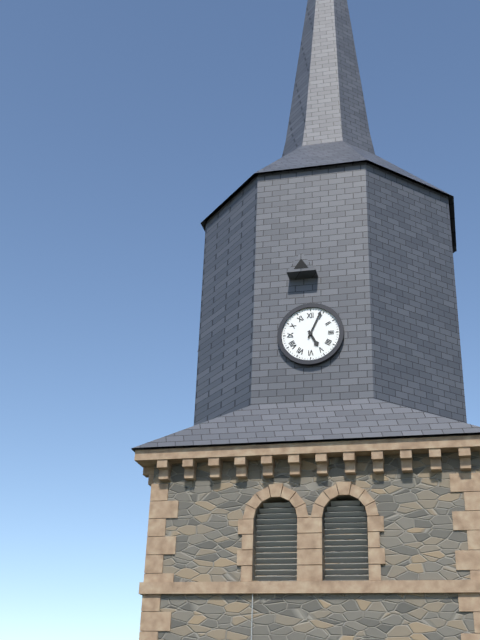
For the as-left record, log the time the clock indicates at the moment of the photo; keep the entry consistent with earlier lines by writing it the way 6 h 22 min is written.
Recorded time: 5 h 04 min
